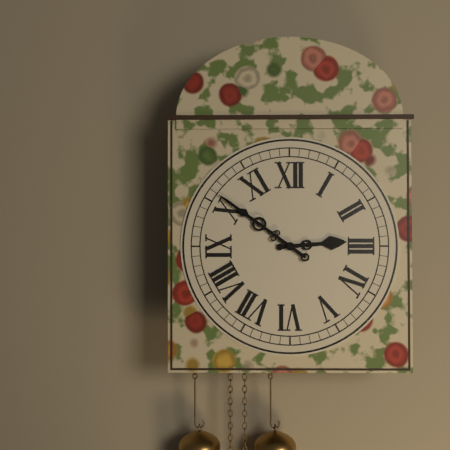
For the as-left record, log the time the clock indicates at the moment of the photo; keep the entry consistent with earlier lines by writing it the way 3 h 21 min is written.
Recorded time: 2 h 51 min
